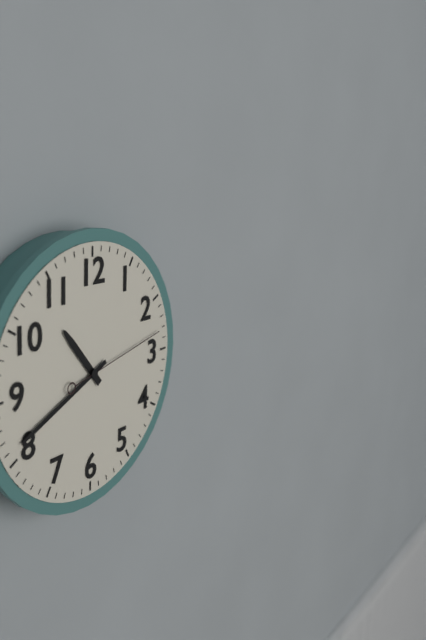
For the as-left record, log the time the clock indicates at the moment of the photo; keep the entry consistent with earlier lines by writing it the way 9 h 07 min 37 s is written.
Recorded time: 10 h 41 min 13 s
